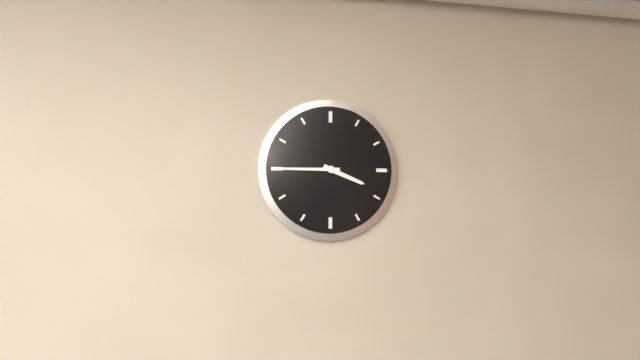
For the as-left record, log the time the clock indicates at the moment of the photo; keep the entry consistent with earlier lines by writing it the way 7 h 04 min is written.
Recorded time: 3 h 45 min
